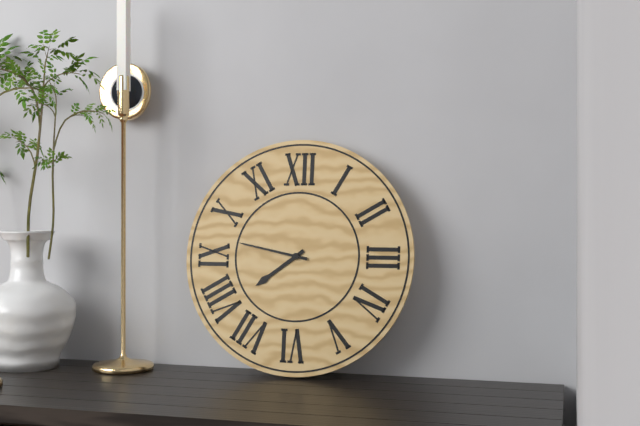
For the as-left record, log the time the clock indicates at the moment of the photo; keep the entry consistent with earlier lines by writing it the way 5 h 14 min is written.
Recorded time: 7 h 47 min
